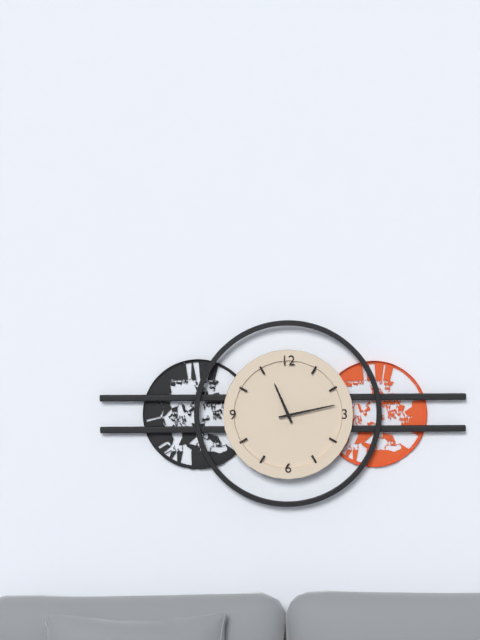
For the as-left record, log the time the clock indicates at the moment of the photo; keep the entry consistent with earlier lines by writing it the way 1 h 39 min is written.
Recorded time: 11 h 13 min
